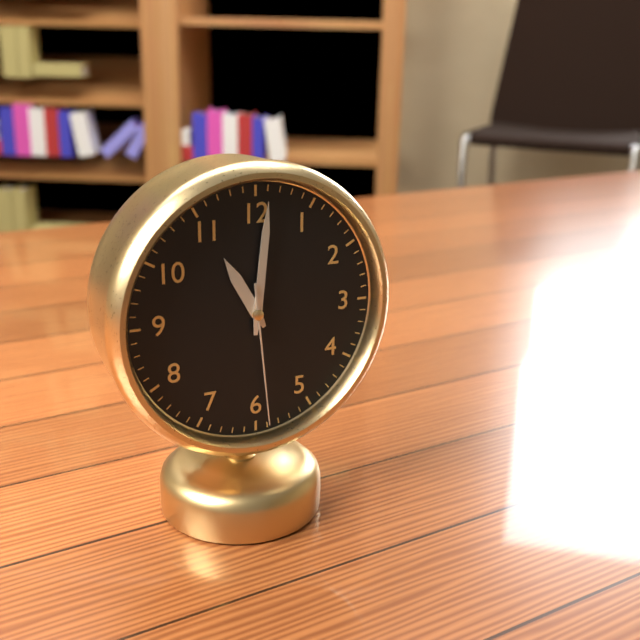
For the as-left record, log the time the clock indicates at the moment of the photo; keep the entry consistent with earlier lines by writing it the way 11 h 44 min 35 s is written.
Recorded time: 11 h 01 min 29 s
